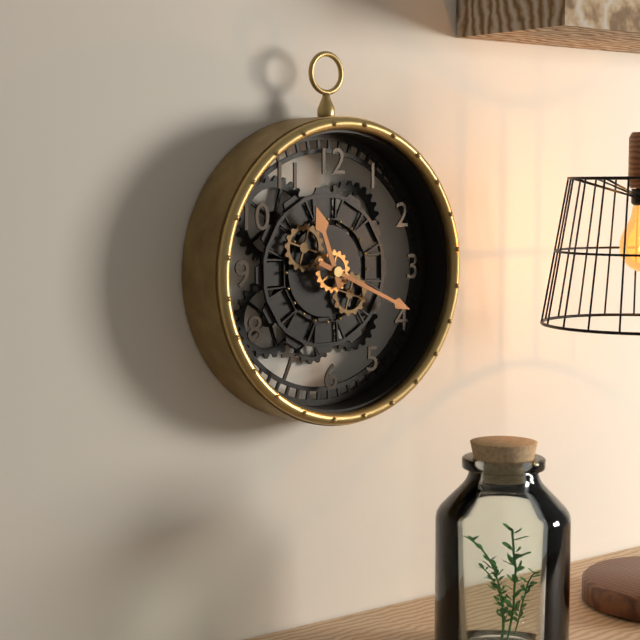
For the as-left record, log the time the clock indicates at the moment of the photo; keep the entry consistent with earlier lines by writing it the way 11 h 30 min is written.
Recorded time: 11 h 19 min
